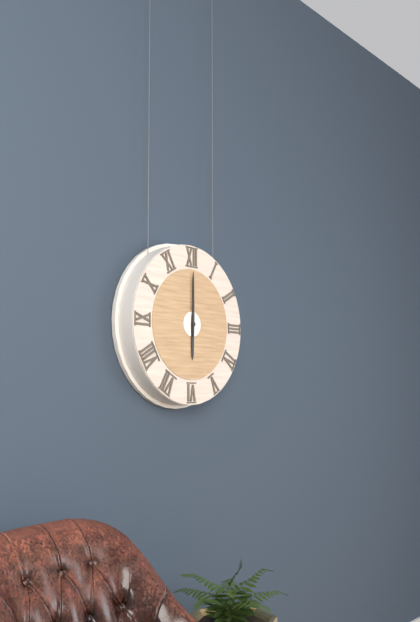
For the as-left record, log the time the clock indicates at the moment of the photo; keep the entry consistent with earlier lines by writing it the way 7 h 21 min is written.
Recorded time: 6 h 00 min
